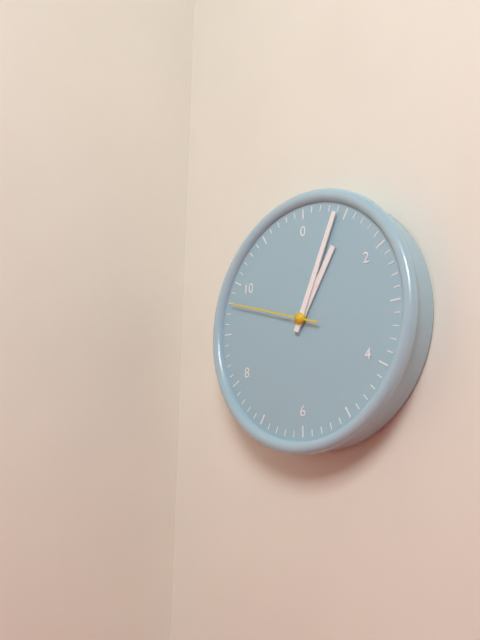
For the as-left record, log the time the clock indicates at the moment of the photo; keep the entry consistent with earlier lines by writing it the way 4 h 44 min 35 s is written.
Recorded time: 1 h 04 min 48 s
